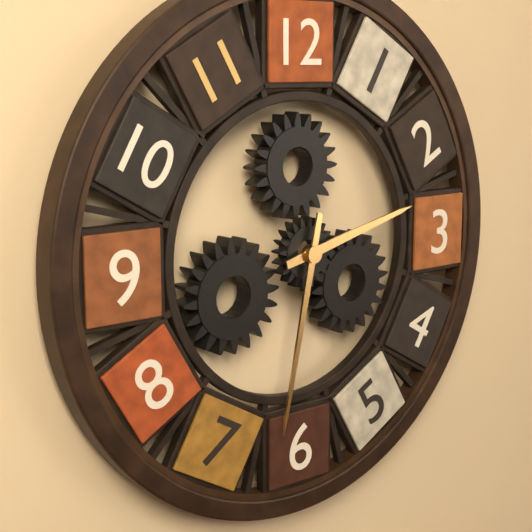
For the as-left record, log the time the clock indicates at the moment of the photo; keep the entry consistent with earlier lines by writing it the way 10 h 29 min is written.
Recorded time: 2 h 32 min
